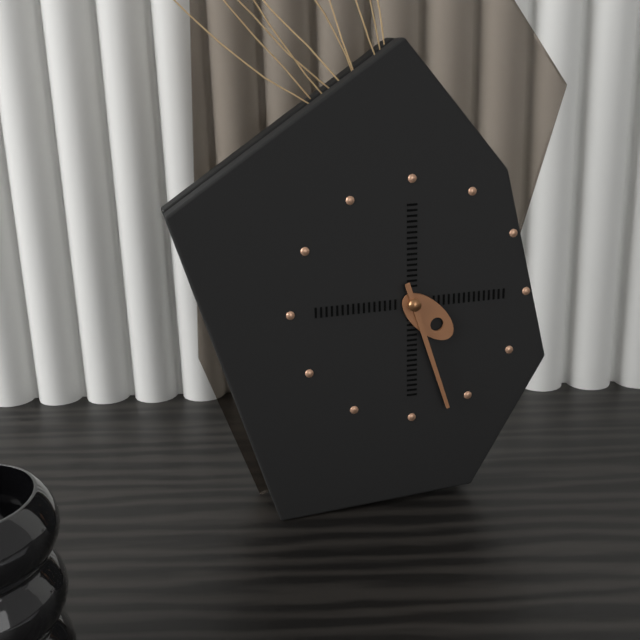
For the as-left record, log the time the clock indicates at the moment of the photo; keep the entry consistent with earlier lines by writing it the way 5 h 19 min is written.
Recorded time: 4 h 27 min
